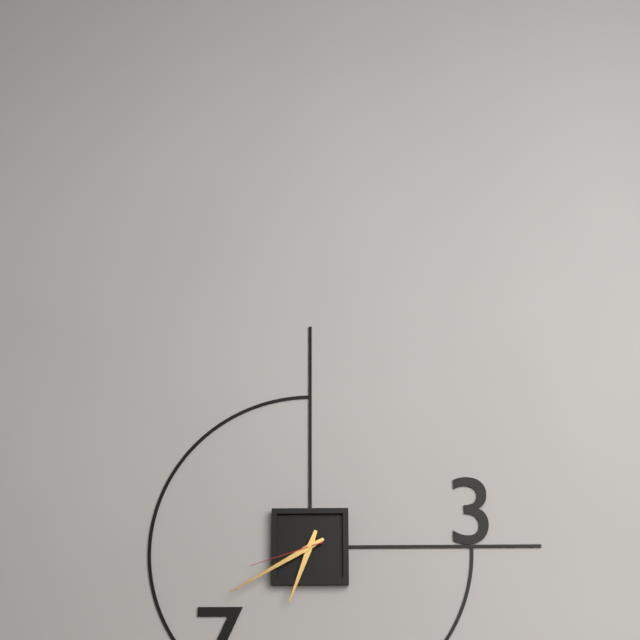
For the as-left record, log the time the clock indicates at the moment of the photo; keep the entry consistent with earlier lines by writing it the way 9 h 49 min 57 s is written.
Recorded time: 6 h 40 min 42 s
